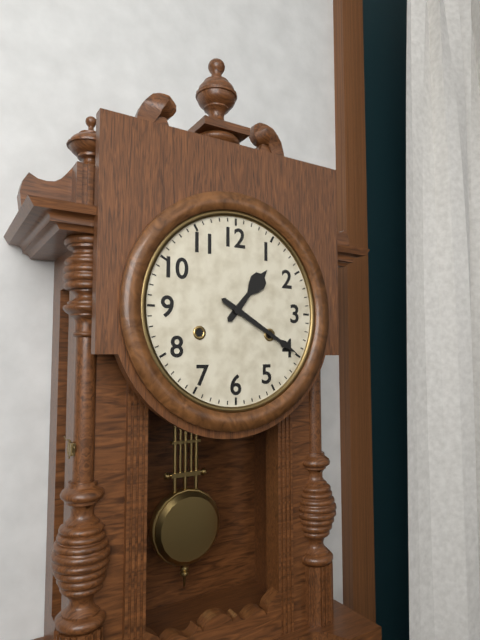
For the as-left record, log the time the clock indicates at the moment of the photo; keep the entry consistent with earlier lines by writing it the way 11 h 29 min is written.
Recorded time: 1 h 20 min
